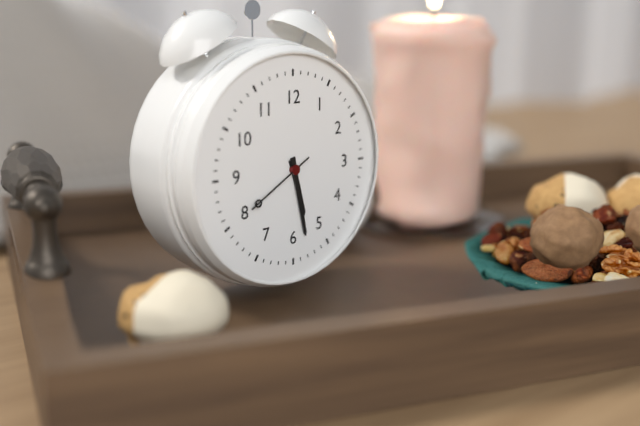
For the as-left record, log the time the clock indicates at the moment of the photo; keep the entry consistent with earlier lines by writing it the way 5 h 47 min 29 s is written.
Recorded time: 5 h 28 min 40 s
